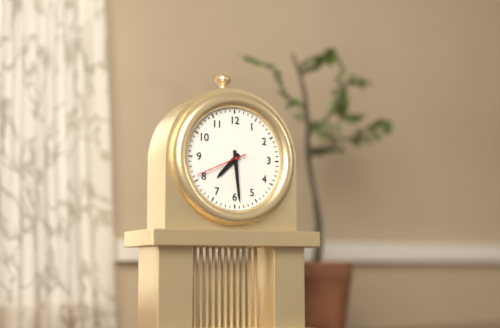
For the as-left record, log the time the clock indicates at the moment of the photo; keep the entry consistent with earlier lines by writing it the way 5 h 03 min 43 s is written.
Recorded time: 7 h 29 min 41 s
